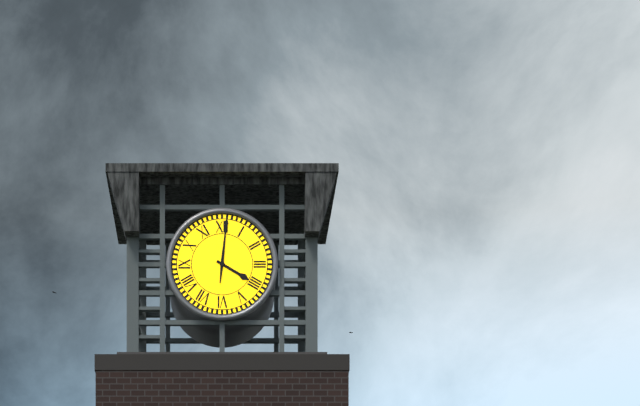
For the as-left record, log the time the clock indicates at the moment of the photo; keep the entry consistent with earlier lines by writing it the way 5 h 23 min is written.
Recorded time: 4 h 01 min
